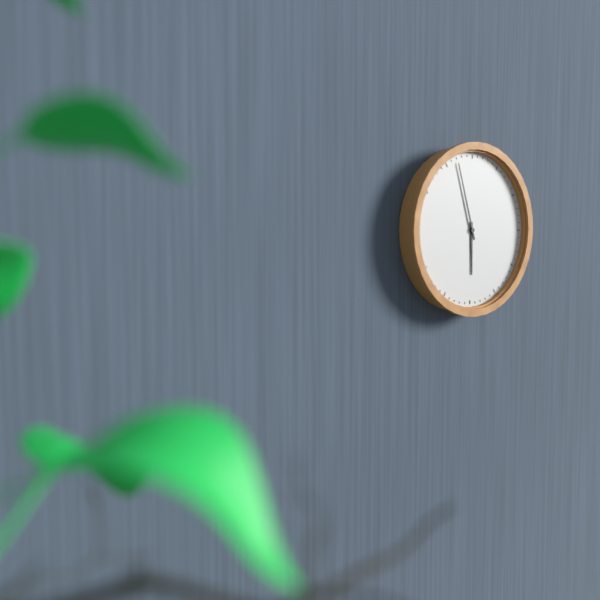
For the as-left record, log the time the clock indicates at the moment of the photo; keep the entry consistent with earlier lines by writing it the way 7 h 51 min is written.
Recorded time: 5 h 57 min
